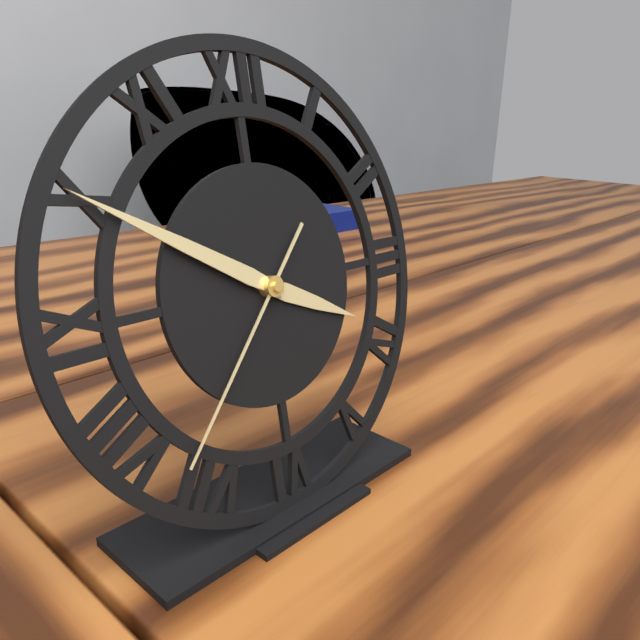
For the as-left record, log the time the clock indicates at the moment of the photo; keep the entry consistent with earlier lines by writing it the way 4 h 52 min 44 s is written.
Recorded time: 3 h 50 min 37 s
